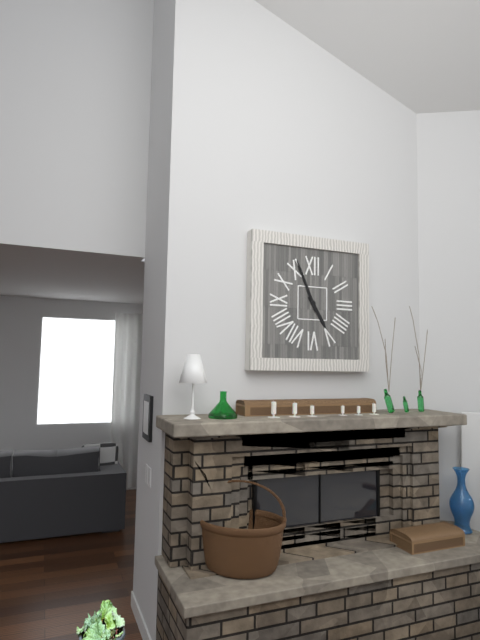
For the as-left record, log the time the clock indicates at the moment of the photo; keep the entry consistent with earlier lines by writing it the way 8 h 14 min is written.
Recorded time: 4 h 56 min
